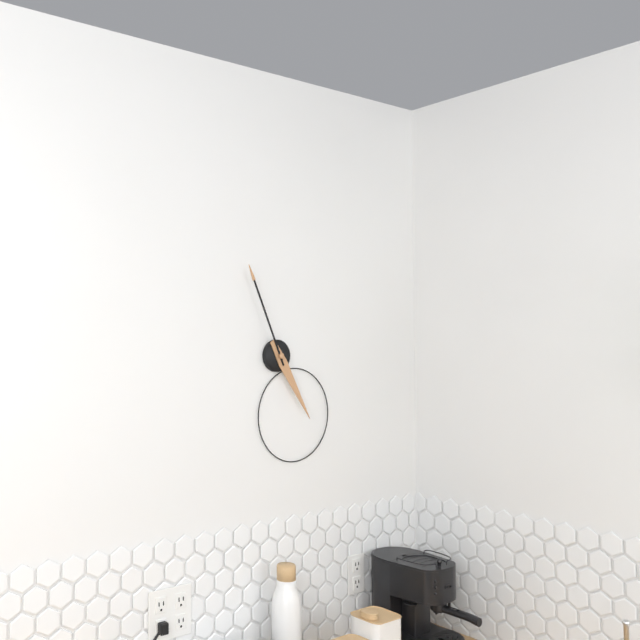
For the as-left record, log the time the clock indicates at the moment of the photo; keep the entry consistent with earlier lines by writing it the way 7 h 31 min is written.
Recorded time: 4 h 56 min
